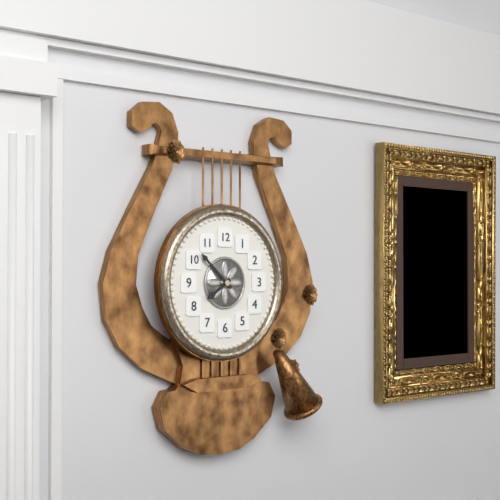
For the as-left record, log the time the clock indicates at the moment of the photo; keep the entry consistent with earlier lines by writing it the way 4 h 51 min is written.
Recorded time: 7 h 52 min
